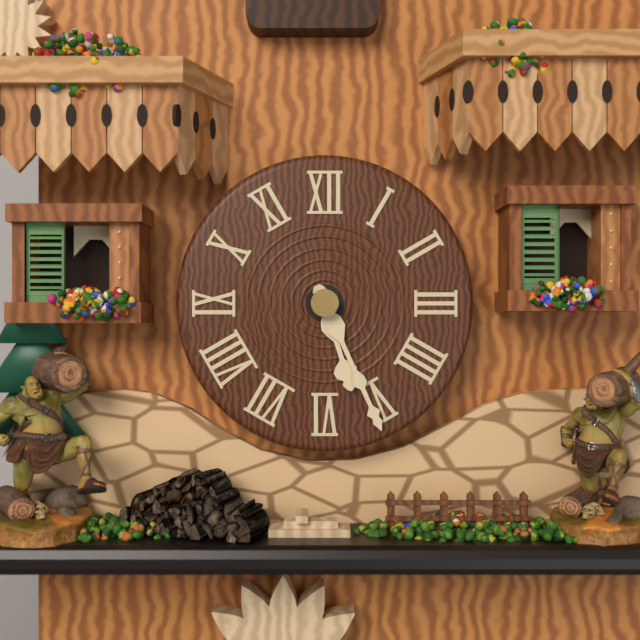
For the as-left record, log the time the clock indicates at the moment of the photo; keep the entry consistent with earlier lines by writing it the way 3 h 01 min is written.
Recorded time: 5 h 26 min
